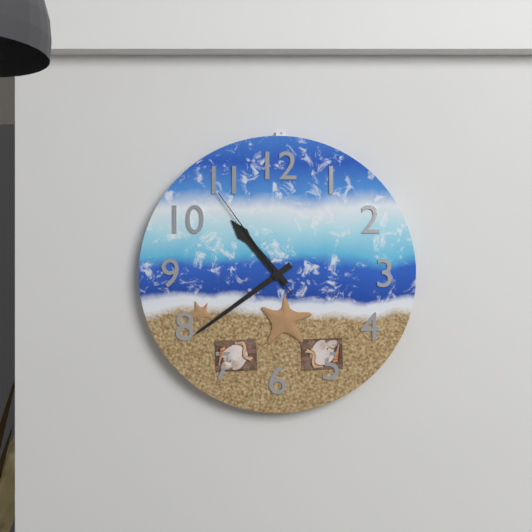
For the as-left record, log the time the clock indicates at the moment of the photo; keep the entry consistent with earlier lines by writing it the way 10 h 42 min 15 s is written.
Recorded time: 10 h 39 min 54 s
